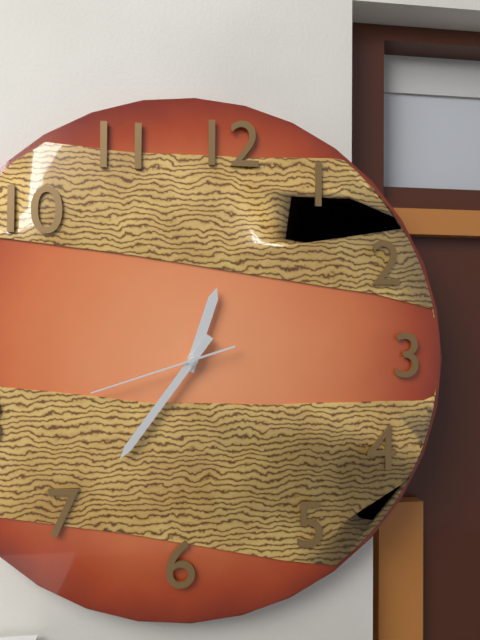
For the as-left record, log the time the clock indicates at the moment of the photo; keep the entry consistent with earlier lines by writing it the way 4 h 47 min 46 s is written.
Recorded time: 12 h 36 min 42 s
